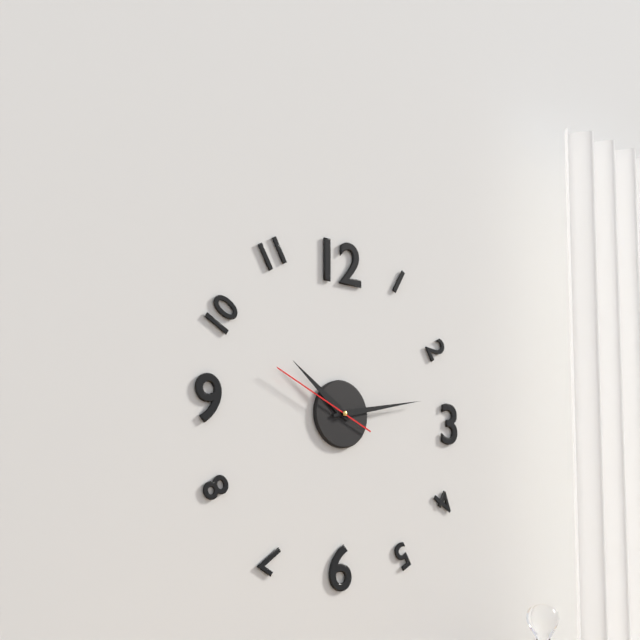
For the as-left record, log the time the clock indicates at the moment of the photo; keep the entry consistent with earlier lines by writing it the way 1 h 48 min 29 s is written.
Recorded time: 10 h 13 min 49 s
